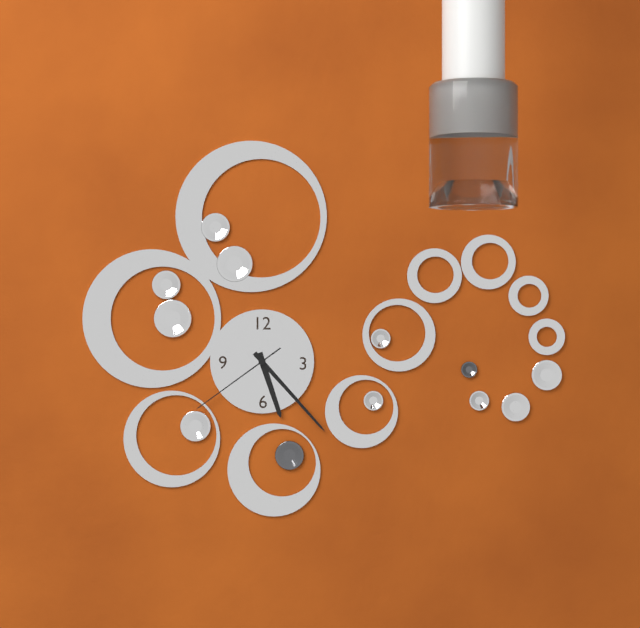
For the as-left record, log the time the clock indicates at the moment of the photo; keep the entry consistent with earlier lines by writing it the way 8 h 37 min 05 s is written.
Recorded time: 5 h 23 min 39 s
